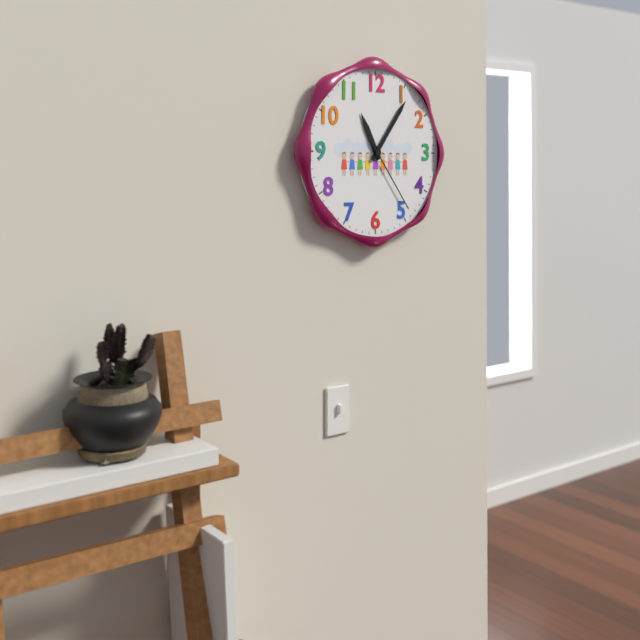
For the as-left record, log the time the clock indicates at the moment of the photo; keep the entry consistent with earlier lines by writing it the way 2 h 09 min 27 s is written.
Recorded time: 11 h 06 min 24 s
